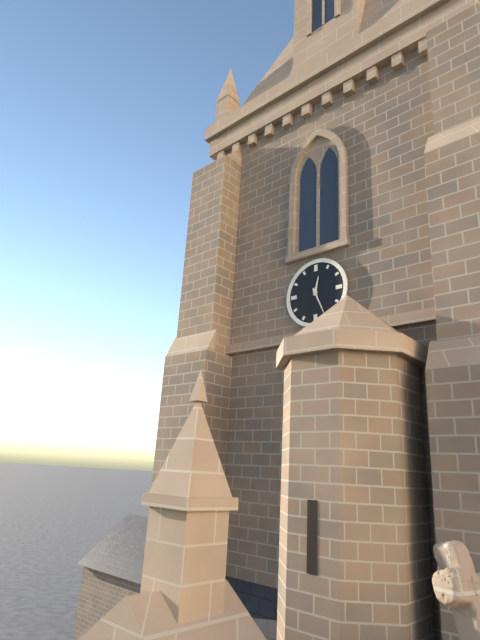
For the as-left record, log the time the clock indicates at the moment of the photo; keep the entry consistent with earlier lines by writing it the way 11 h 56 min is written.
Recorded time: 12 h 26 min
